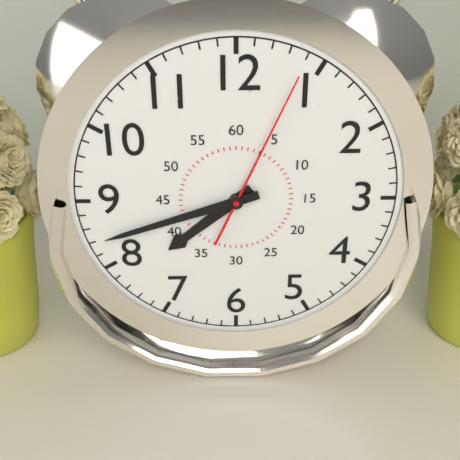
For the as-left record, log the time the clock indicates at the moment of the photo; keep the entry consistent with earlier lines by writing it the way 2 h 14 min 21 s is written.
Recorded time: 7 h 42 min 04 s
